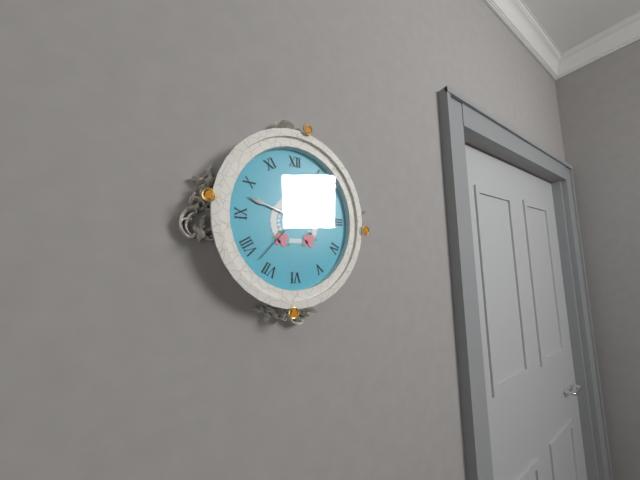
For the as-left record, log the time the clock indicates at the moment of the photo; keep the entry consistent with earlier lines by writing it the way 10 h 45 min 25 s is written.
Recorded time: 2 h 48 min 37 s
